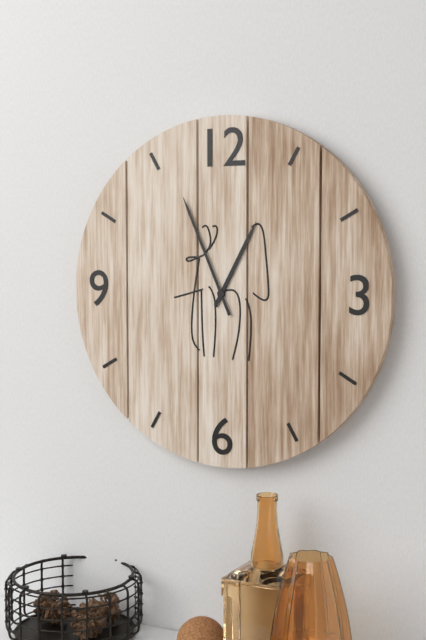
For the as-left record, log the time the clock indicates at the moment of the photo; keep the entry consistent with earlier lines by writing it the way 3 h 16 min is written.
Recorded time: 12 h 56 min
